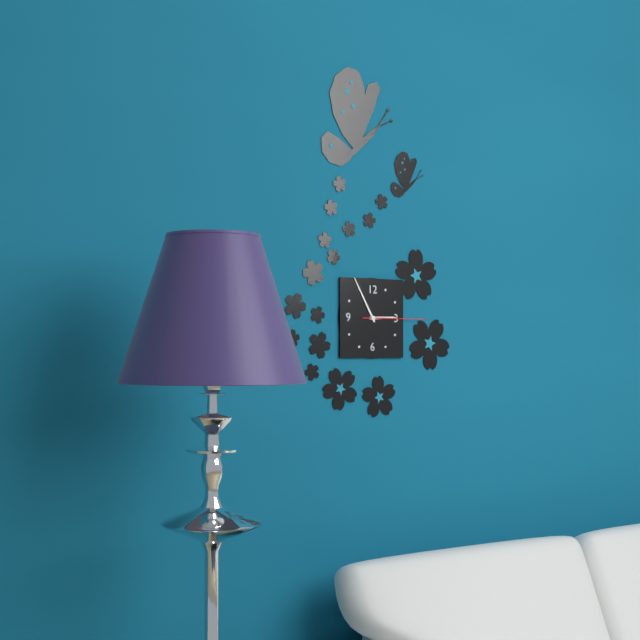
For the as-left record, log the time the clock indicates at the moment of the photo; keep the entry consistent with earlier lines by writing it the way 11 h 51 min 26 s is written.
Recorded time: 2 h 55 min 15 s
